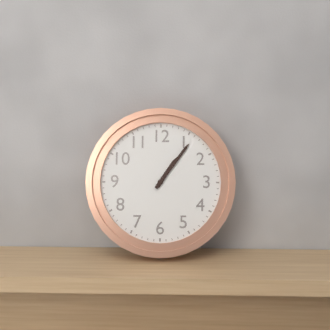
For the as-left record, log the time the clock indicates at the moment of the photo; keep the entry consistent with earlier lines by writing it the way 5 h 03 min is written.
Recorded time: 1 h 06 min
